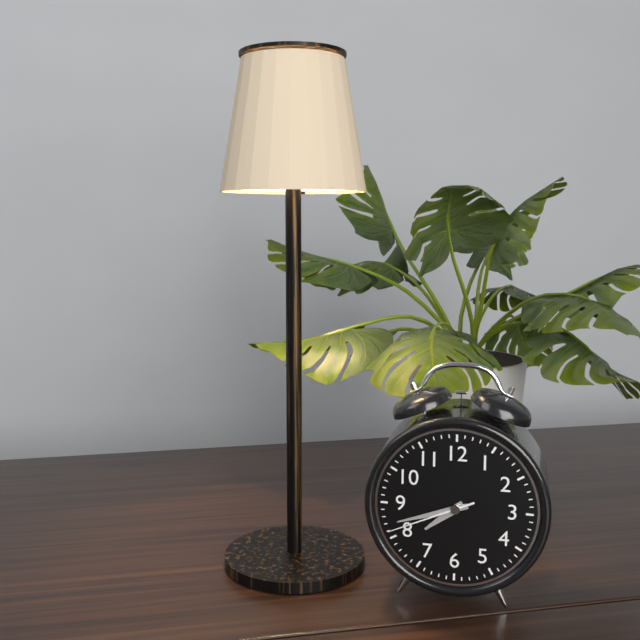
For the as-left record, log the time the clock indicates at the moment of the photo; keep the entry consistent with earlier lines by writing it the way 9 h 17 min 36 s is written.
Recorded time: 7 h 42 min 41 s
